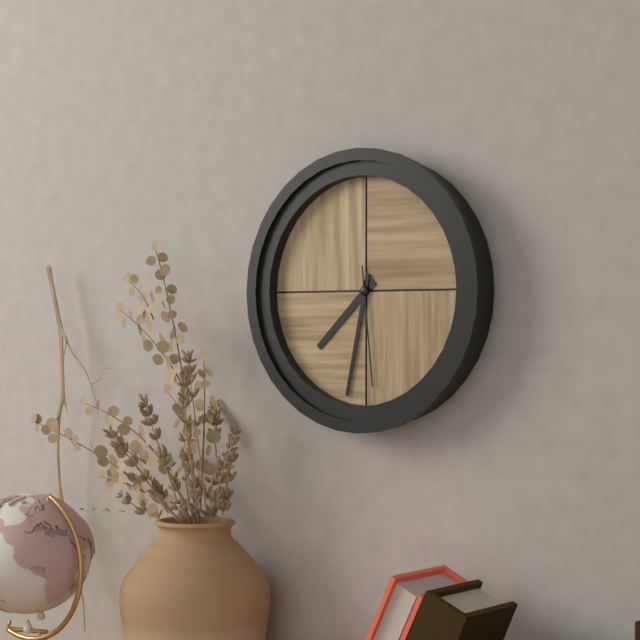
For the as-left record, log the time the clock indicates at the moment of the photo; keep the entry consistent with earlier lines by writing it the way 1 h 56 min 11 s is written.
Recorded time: 7 h 32 min 29 s
